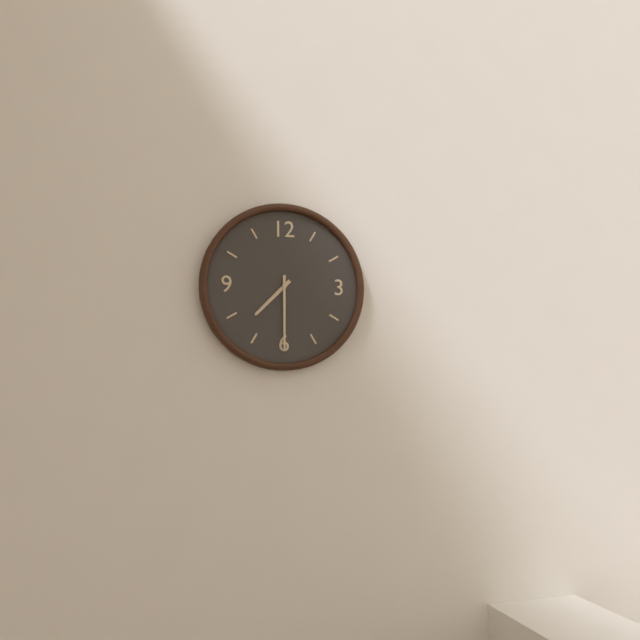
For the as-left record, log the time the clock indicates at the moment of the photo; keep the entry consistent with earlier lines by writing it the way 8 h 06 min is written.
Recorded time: 7 h 30 min
